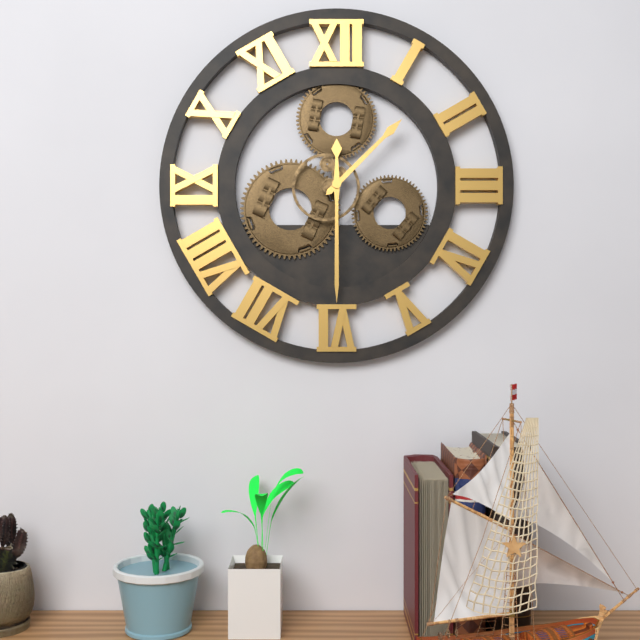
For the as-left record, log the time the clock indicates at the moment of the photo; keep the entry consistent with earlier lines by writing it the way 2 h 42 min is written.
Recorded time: 1 h 30 min
